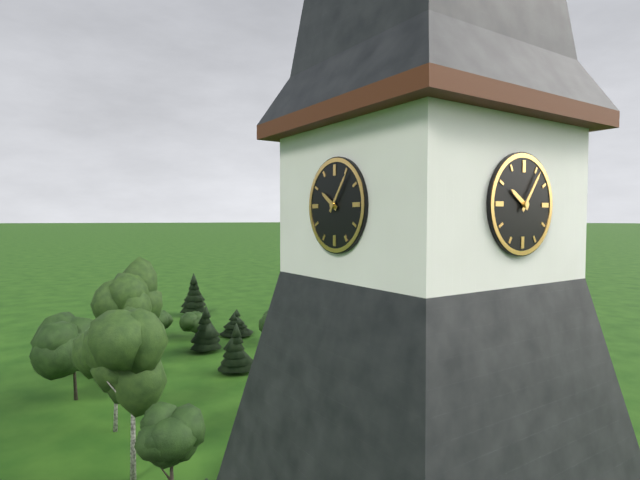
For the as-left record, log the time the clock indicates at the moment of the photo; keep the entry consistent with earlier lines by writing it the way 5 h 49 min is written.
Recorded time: 10 h 06 min
